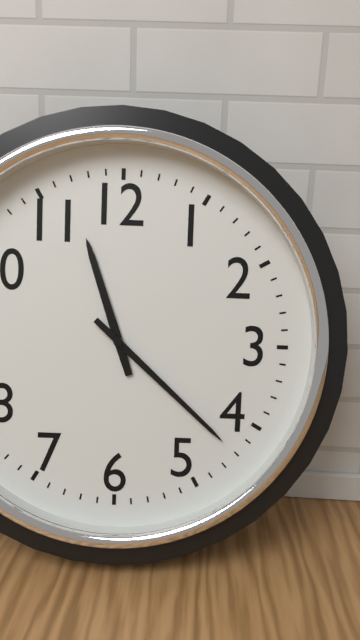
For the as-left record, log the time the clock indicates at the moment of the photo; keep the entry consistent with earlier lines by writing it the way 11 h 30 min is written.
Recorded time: 11 h 22 min
